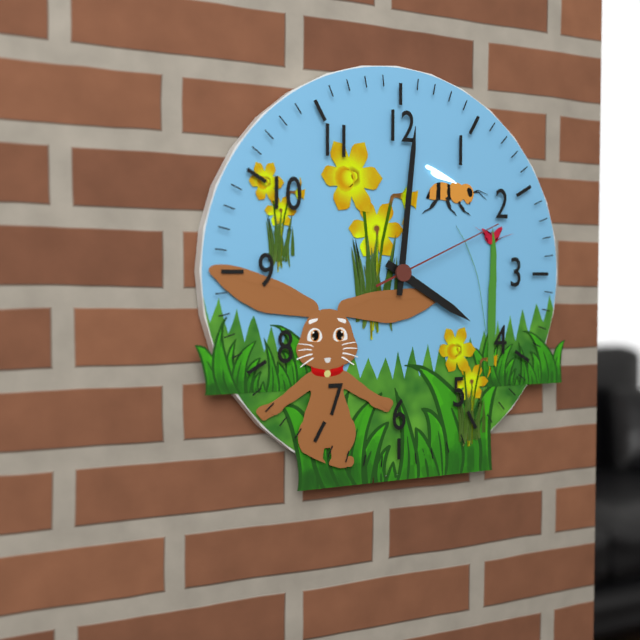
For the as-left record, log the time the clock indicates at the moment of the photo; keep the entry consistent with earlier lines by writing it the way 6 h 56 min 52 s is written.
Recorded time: 4 h 01 min 11 s
